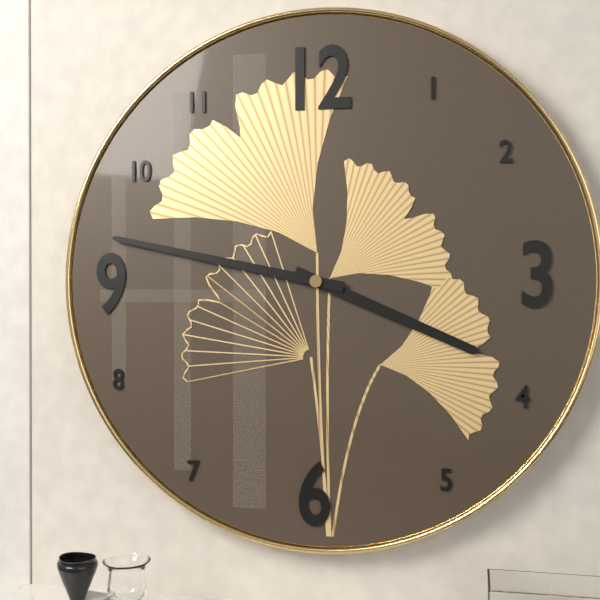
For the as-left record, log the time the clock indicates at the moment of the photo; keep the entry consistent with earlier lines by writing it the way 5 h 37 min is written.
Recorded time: 3 h 47 min
